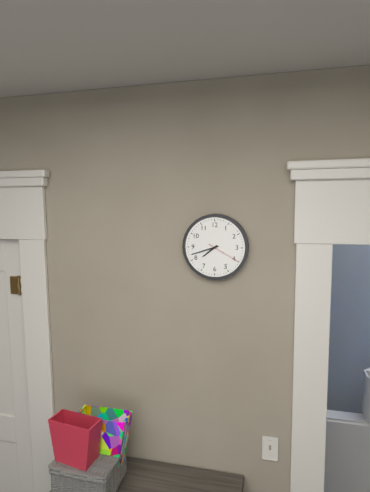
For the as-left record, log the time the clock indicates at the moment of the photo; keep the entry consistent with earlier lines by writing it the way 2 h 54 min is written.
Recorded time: 7 h 42 min
